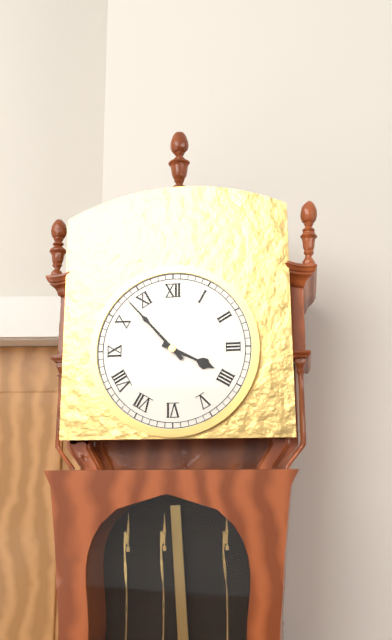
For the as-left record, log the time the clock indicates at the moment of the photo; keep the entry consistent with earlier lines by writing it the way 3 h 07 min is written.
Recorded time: 3 h 53 min
